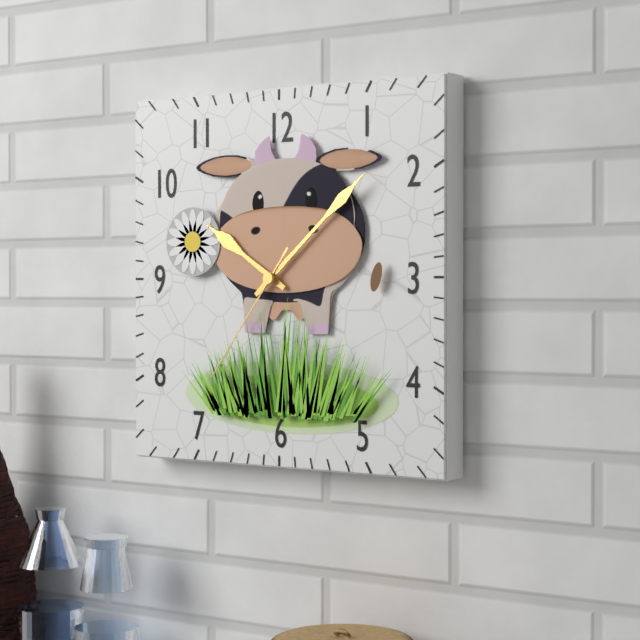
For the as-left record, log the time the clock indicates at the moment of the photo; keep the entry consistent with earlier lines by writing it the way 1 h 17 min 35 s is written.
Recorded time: 10 h 08 min 36 s
